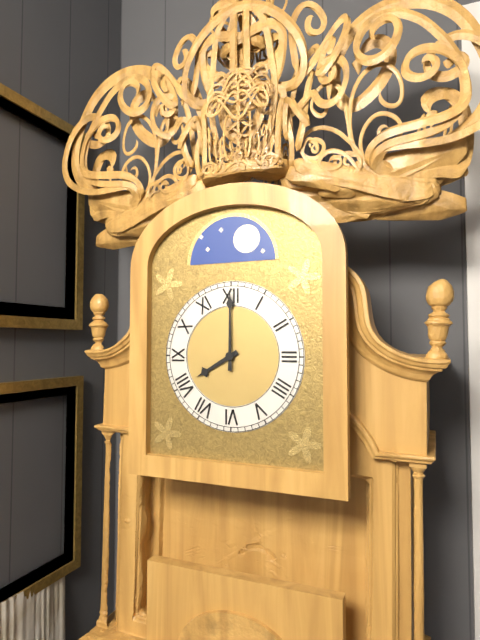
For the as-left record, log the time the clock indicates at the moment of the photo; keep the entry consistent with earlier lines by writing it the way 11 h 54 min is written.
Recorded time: 8 h 00 min
